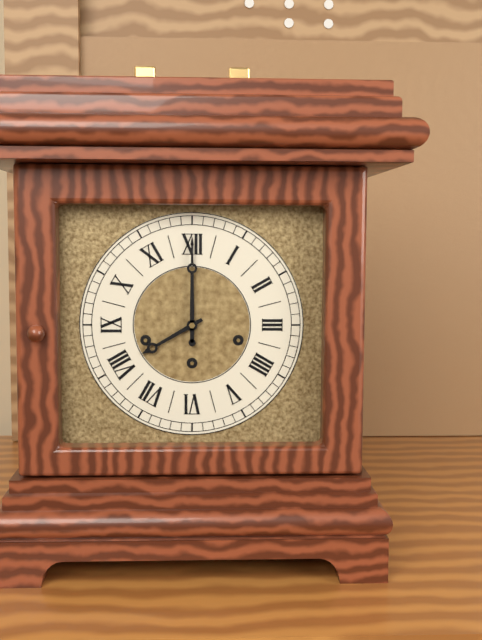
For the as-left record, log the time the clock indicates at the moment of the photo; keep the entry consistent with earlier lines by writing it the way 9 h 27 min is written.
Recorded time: 8 h 00 min
